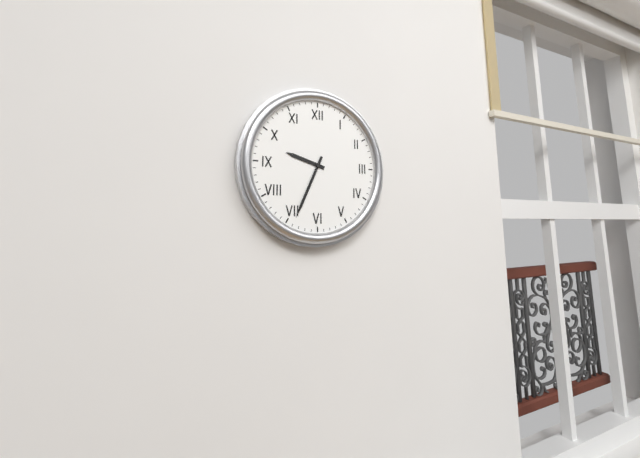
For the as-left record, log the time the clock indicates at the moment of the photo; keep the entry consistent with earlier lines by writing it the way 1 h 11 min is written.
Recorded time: 9 h 34 min
